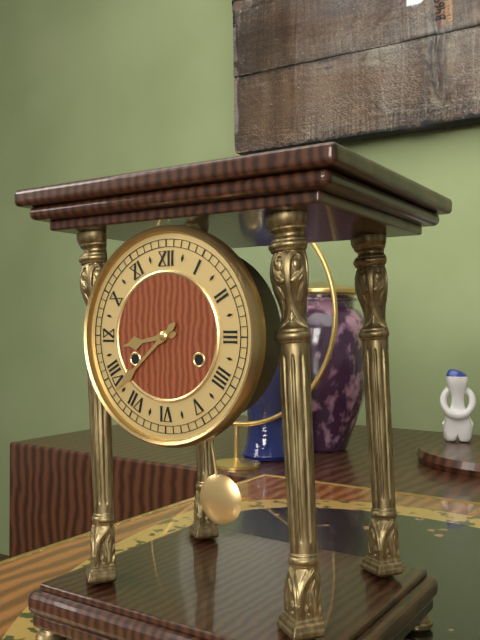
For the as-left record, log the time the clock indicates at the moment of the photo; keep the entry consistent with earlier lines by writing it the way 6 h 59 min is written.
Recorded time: 8 h 38 min
